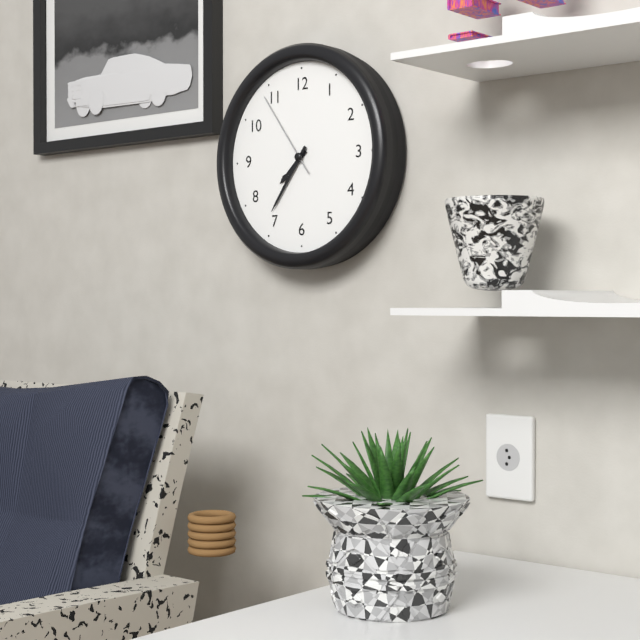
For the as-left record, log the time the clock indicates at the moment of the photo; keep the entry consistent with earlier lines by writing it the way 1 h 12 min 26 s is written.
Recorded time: 7 h 36 min 54 s
